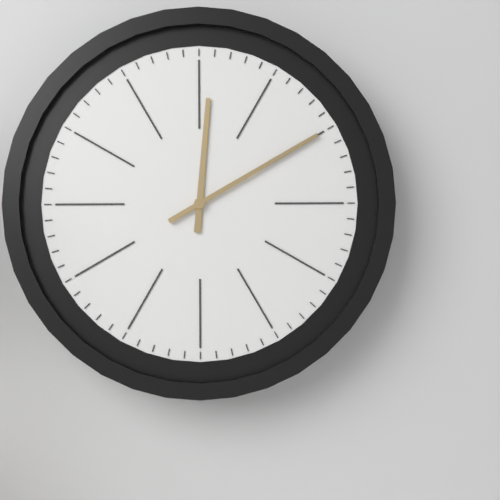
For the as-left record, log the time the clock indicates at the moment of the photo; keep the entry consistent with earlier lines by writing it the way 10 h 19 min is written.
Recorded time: 12 h 10 min
